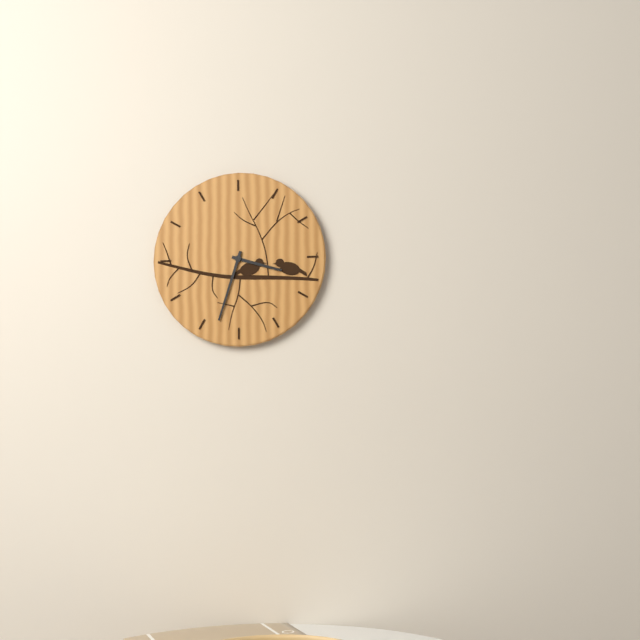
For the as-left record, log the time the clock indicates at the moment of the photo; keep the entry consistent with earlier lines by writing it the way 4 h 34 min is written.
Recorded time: 3 h 33 min
